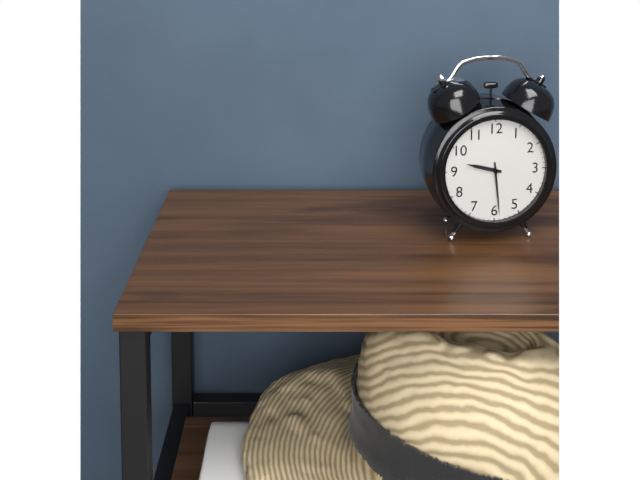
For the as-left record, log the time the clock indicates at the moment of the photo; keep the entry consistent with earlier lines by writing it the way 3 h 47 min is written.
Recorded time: 9 h 29 min
